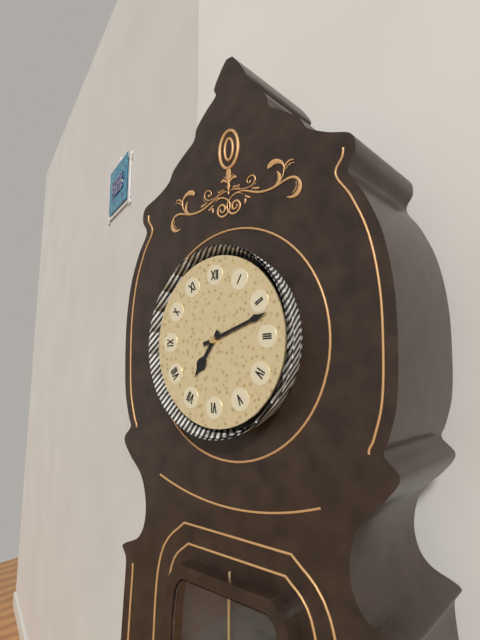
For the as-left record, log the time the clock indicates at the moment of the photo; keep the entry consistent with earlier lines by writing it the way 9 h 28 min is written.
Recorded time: 7 h 12 min
